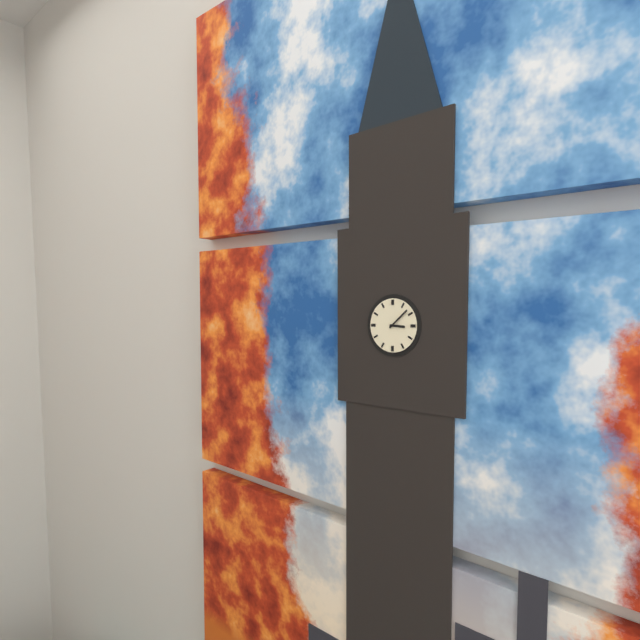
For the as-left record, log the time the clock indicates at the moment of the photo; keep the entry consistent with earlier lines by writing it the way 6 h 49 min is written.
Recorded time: 3 h 08 min
